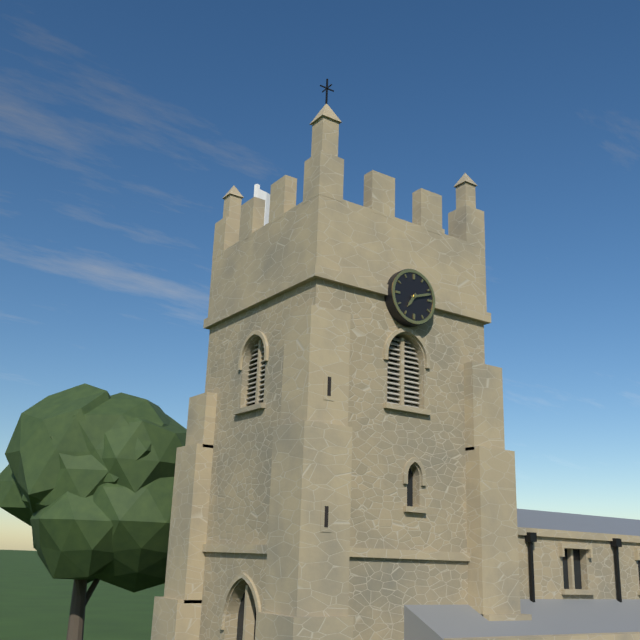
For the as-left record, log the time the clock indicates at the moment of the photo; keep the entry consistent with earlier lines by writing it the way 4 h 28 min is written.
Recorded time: 7 h 12 min
